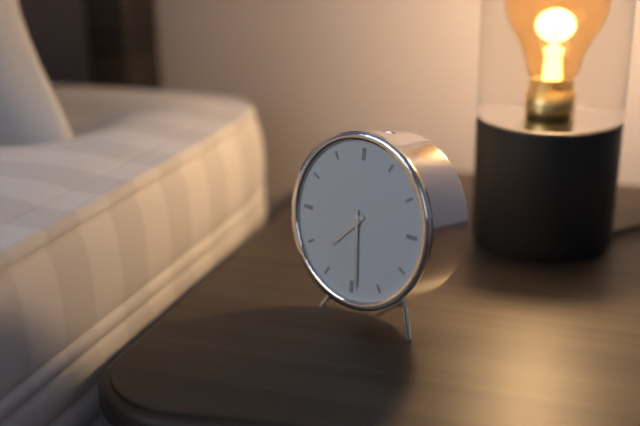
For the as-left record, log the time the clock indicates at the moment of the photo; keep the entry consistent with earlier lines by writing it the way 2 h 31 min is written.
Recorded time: 7 h 29 min
